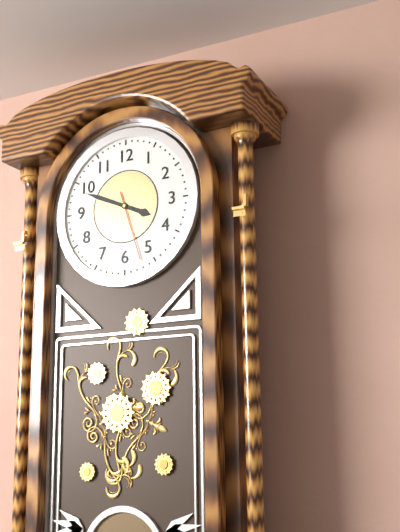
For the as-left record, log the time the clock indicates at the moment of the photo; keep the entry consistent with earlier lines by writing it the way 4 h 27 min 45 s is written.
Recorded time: 3 h 49 min 27 s
